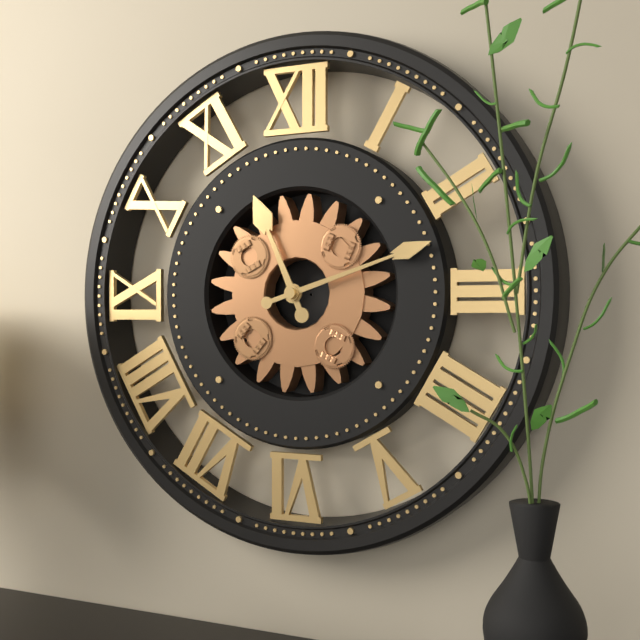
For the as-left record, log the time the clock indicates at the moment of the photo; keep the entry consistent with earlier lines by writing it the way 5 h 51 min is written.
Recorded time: 11 h 12 min
